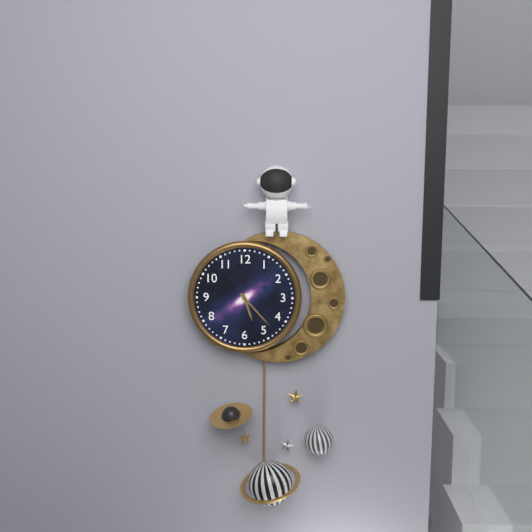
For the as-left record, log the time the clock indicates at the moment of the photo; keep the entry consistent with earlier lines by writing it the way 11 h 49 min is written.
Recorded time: 5 h 23 min
